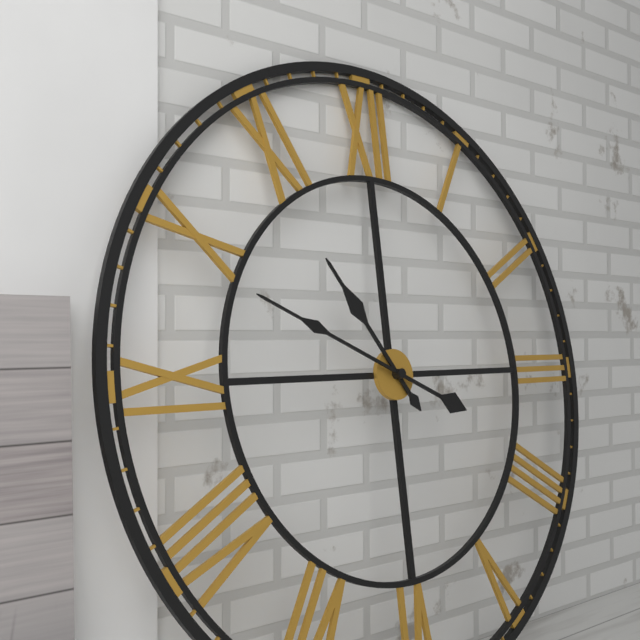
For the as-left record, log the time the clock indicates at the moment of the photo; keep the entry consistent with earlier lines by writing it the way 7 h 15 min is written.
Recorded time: 10 h 49 min
